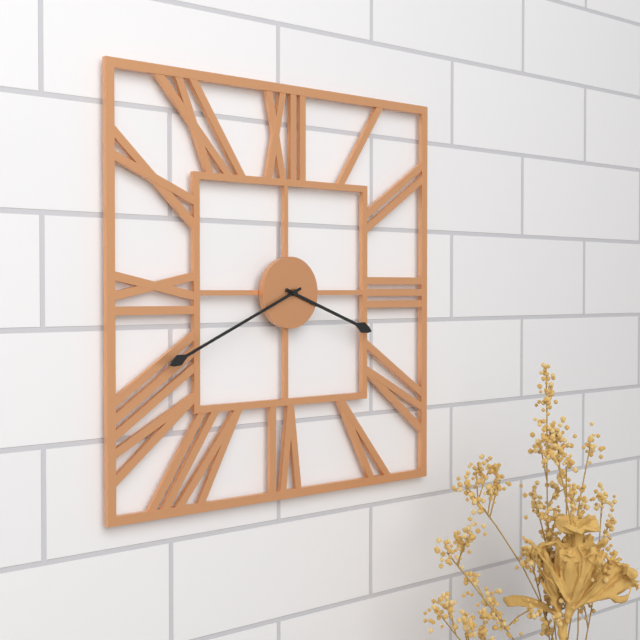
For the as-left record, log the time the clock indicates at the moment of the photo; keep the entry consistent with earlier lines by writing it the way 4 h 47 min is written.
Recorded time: 3 h 41 min
